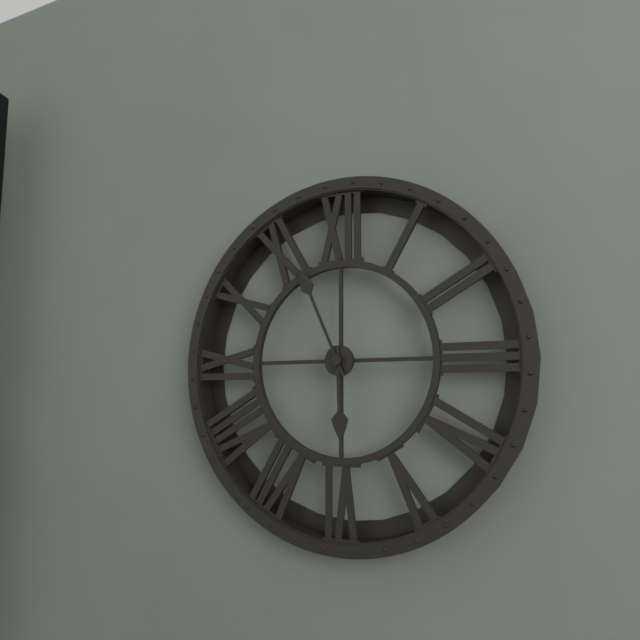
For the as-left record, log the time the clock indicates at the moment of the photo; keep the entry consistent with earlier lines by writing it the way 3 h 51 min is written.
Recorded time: 5 h 56 min
